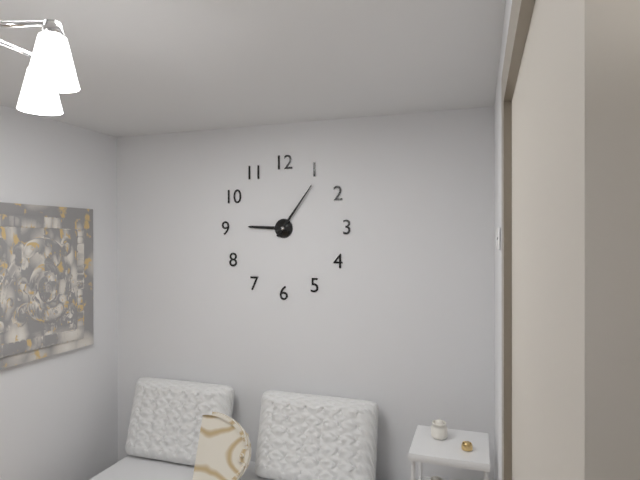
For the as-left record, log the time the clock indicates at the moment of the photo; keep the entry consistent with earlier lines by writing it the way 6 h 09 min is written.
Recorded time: 9 h 06 min
